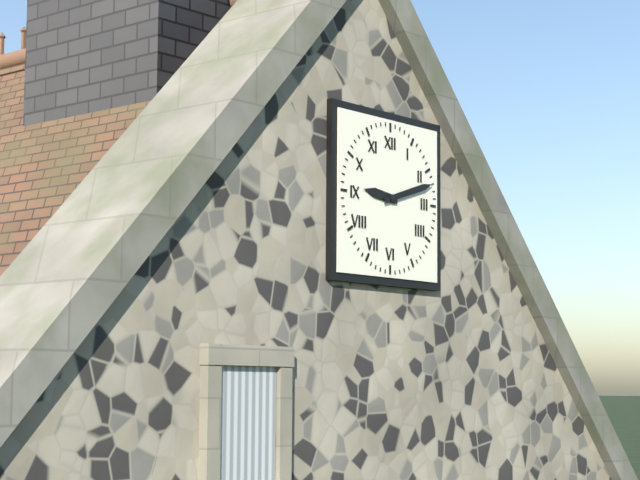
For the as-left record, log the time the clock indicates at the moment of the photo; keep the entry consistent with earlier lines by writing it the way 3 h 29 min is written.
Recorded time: 9 h 12 min
